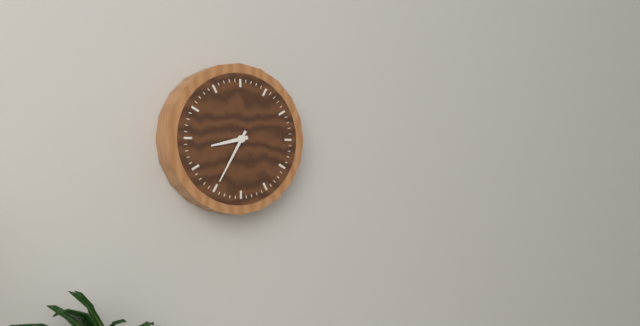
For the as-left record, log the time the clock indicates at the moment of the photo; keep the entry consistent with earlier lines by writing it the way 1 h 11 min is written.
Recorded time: 8 h 35 min
